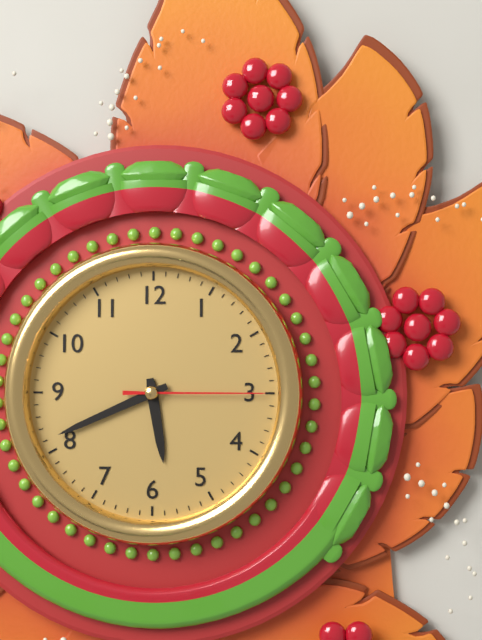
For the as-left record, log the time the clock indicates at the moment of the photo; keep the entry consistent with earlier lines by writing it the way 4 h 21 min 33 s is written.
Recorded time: 5 h 41 min 15 s
